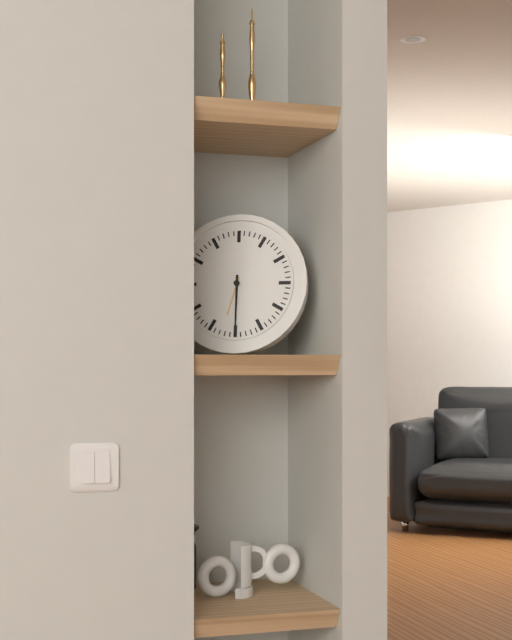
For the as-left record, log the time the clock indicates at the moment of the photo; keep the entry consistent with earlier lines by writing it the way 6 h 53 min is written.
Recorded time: 6 h 30 min
